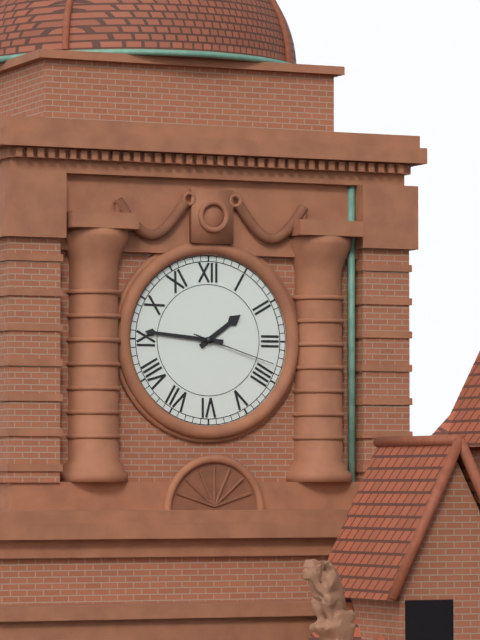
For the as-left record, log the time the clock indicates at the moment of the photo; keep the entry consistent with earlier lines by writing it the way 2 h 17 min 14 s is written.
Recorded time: 1 h 46 min 18 s
